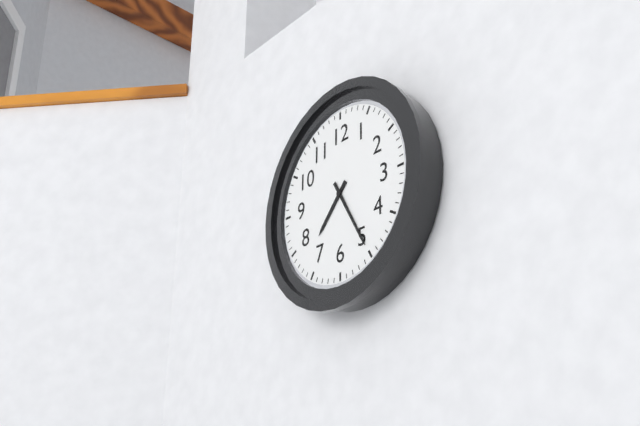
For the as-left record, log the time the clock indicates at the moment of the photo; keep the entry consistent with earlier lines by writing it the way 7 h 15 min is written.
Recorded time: 7 h 25 min
